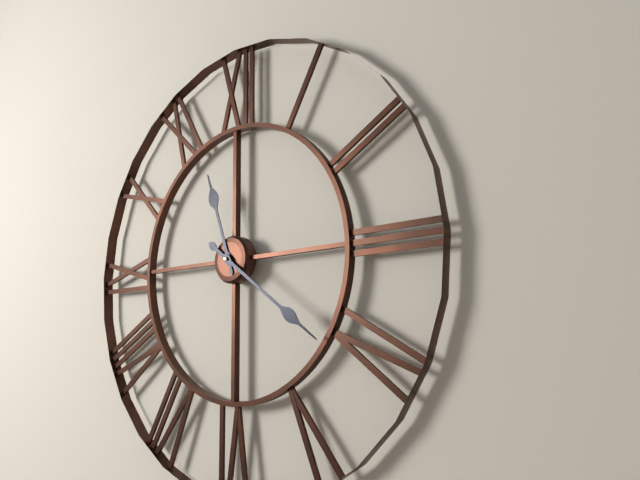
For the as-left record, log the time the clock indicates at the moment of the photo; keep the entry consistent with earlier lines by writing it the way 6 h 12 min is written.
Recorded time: 11 h 21 min
